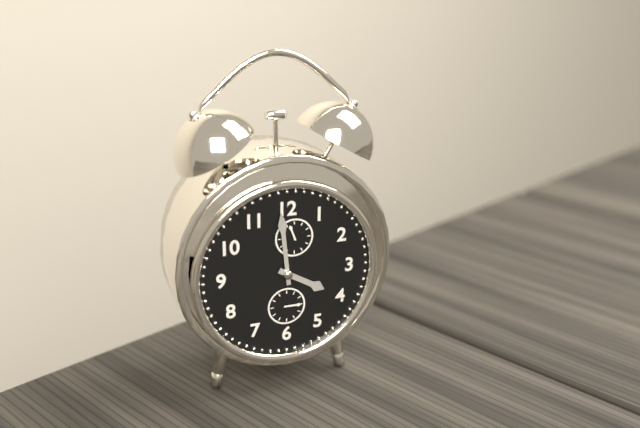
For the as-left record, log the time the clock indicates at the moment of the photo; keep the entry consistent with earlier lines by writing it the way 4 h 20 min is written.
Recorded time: 3 h 59 min
